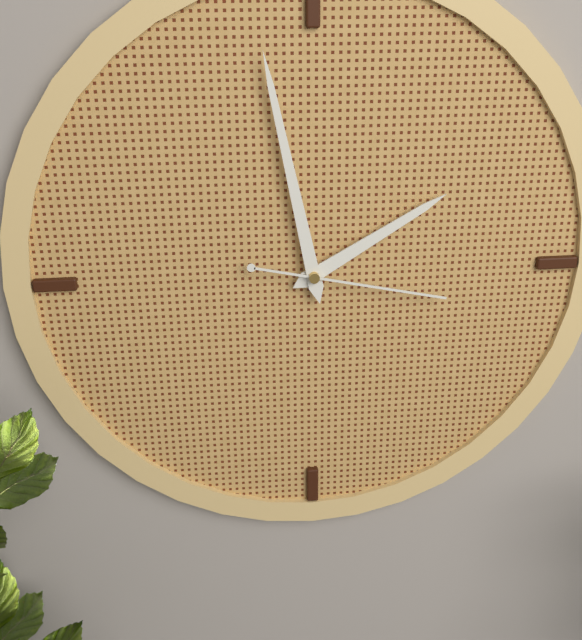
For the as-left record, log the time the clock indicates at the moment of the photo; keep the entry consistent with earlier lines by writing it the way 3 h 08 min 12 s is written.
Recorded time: 1 h 58 min 17 s
